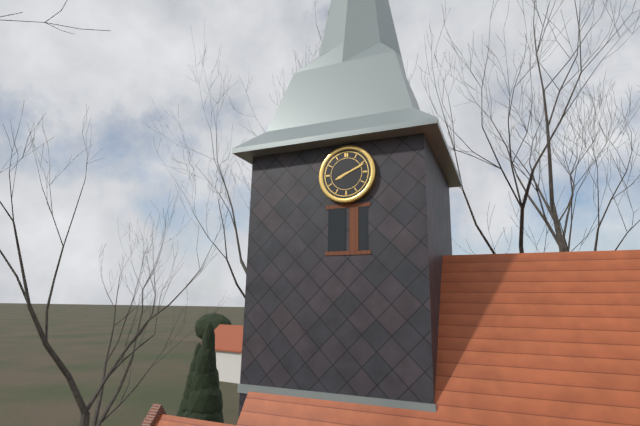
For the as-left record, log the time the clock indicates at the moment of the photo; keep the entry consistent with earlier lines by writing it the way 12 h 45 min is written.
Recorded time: 8 h 11 min
